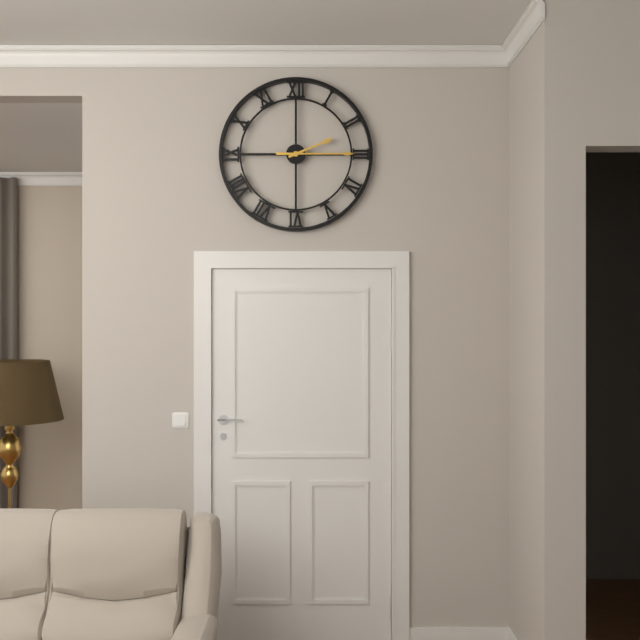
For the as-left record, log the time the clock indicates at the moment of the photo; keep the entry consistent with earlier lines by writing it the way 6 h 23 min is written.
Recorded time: 2 h 15 min
